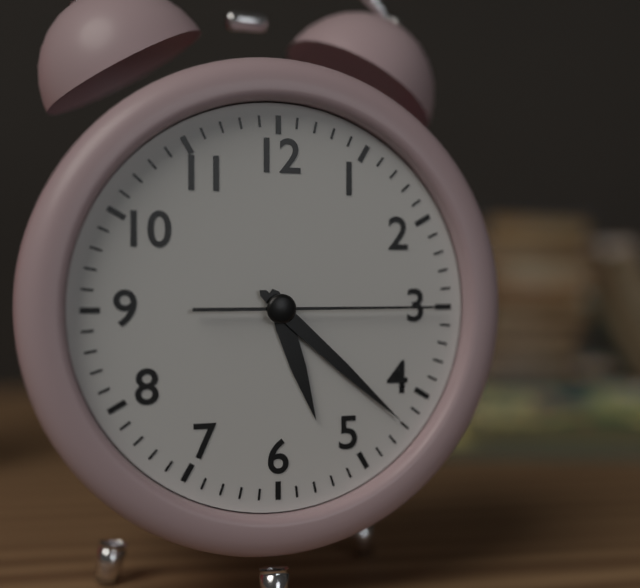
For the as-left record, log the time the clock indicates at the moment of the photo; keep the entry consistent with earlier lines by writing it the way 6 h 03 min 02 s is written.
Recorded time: 5 h 22 min 15 s
